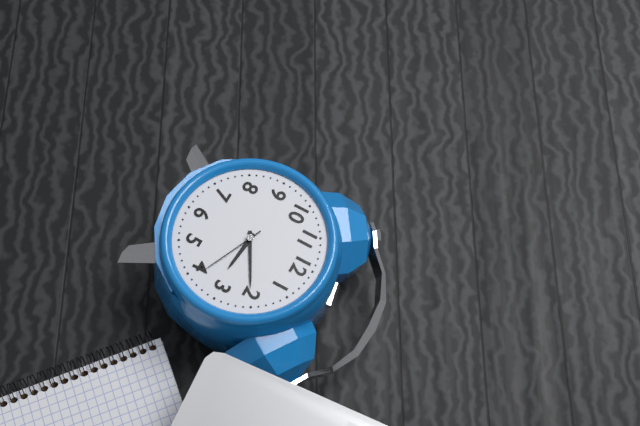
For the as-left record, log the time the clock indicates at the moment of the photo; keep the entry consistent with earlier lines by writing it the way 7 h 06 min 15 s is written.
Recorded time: 3 h 10 min 19 s
